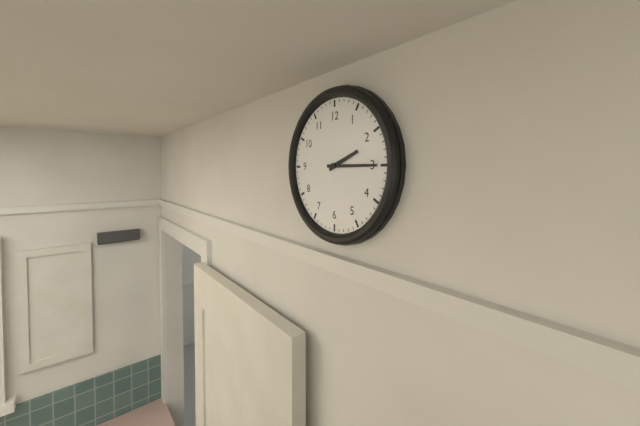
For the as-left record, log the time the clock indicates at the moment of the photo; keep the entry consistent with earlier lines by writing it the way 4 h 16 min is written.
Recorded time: 2 h 15 min
